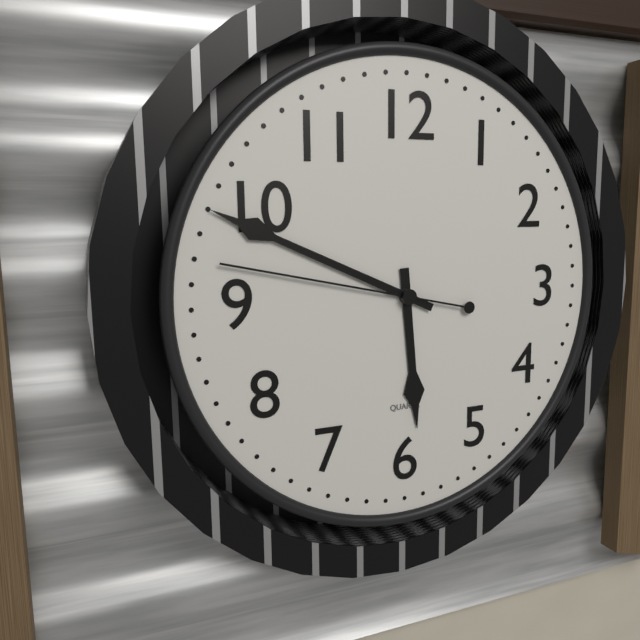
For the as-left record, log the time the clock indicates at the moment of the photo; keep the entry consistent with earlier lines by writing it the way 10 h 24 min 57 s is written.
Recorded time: 5 h 49 min 47 s
